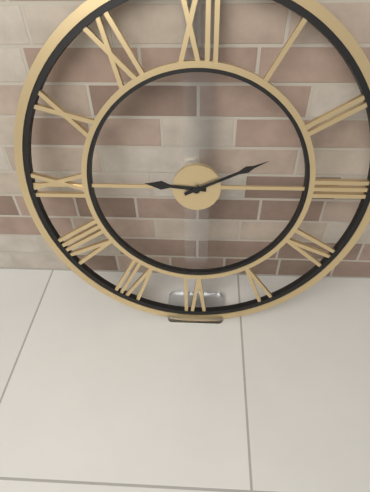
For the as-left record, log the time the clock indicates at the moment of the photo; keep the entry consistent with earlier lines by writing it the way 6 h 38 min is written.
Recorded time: 9 h 11 min
